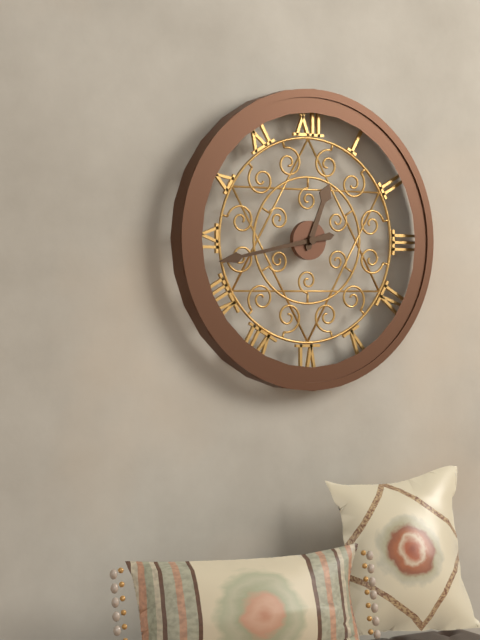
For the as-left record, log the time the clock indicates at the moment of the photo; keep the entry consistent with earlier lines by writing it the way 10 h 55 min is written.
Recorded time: 12 h 43 min
